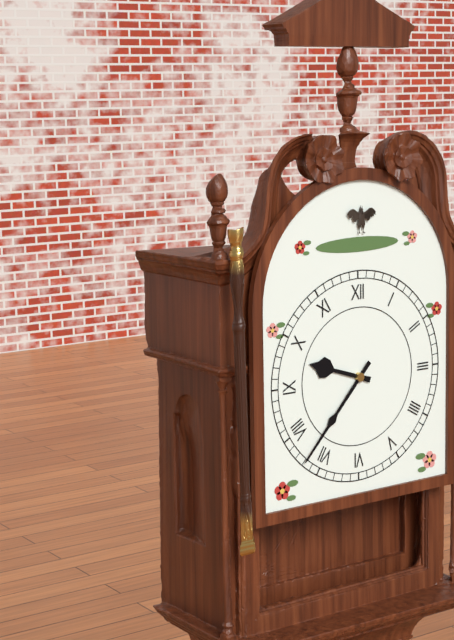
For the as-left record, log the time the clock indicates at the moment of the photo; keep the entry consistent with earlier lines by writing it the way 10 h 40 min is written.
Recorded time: 9 h 37 min
